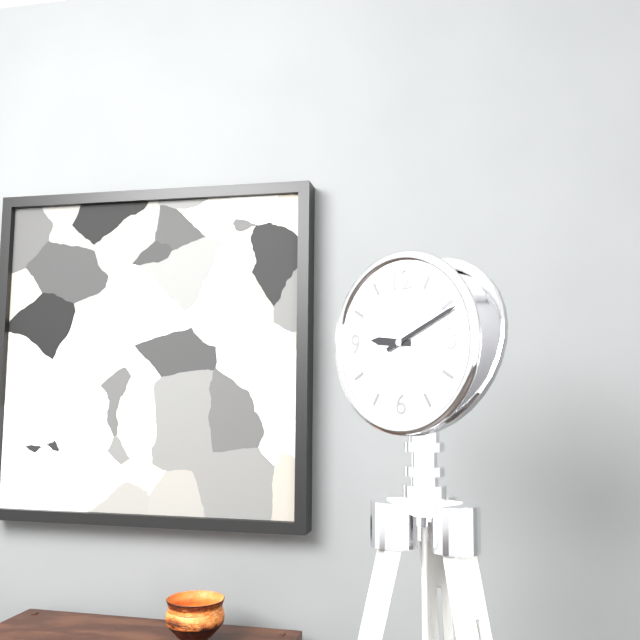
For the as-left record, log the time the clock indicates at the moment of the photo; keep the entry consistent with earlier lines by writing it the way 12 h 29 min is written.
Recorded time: 9 h 11 min
